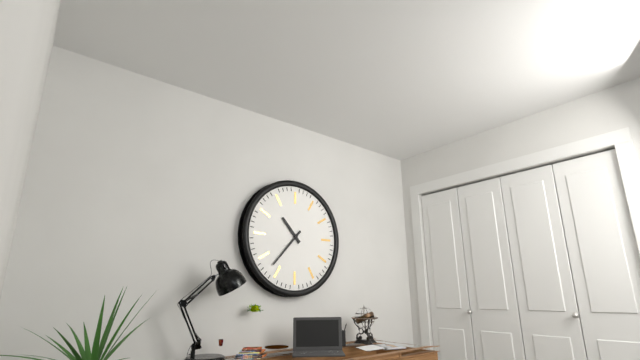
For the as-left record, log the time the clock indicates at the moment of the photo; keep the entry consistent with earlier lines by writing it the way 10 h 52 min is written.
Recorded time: 10 h 37 min
